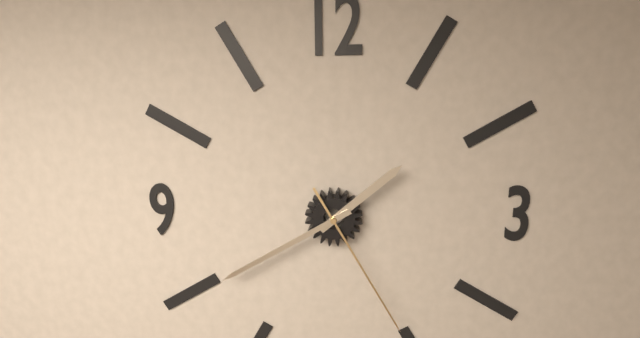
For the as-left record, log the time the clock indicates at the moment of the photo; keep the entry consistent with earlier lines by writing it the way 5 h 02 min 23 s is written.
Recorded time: 1 h 40 min 25 s
